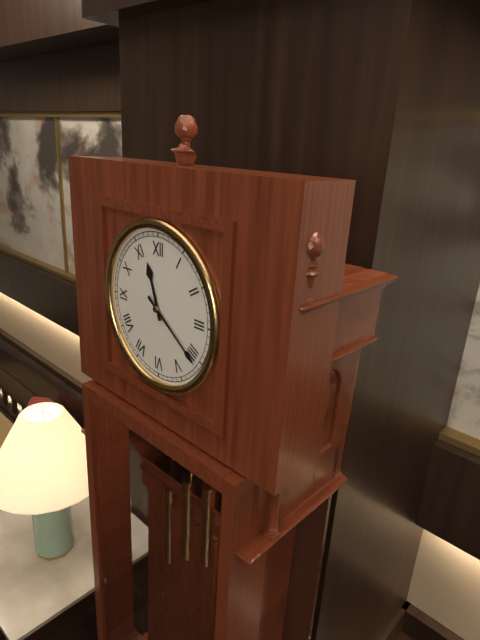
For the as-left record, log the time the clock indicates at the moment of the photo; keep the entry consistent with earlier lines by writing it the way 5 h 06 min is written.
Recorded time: 11 h 21 min
